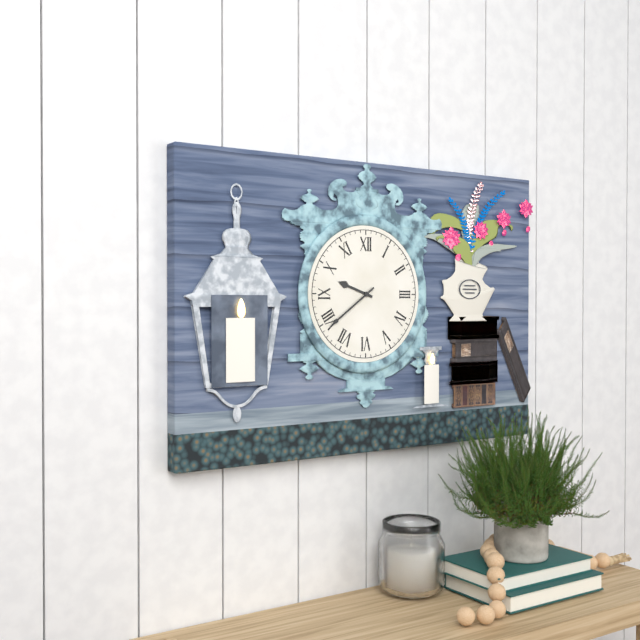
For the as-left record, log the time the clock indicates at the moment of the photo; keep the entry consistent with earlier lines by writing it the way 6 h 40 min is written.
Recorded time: 9 h 39 min
